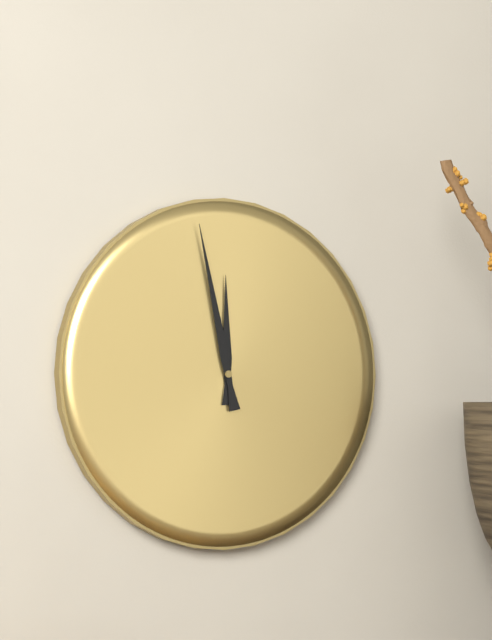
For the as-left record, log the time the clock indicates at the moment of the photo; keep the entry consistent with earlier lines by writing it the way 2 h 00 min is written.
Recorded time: 11 h 58 min
